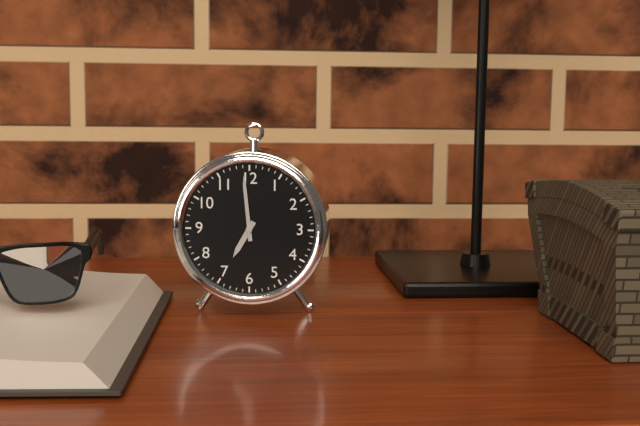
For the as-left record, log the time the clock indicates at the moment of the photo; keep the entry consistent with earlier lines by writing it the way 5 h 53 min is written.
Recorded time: 6 h 59 min
